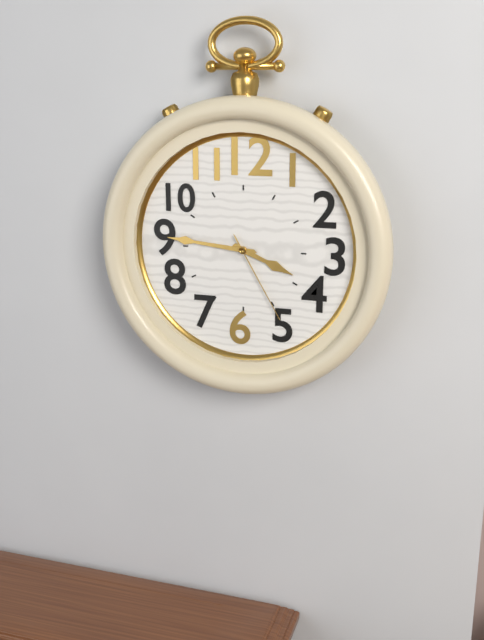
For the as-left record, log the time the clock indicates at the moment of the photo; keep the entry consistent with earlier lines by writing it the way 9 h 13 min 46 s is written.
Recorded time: 3 h 46 min 25 s
